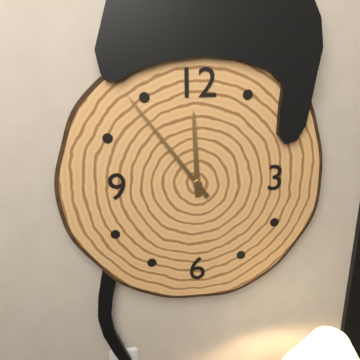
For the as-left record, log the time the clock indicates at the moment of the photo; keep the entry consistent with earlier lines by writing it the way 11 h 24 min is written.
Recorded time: 11 h 54 min
